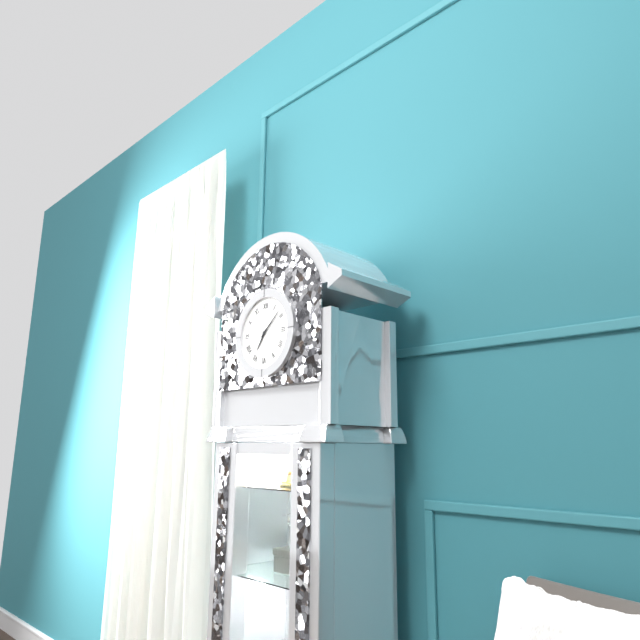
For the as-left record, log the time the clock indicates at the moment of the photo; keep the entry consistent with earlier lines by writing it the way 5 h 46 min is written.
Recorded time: 7 h 08 min
